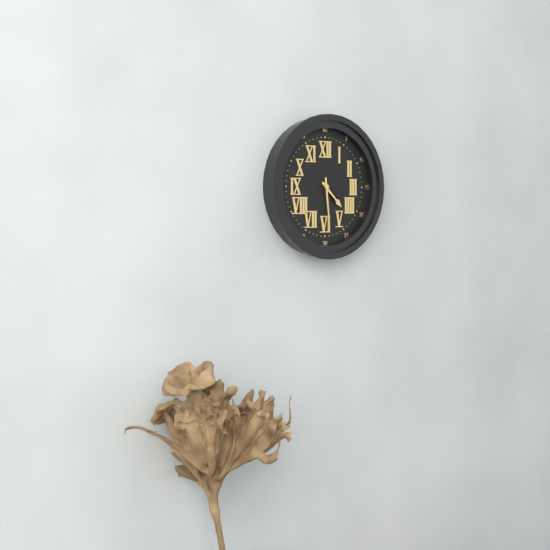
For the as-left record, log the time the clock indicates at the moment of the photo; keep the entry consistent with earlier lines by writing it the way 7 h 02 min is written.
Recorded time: 4 h 29 min
